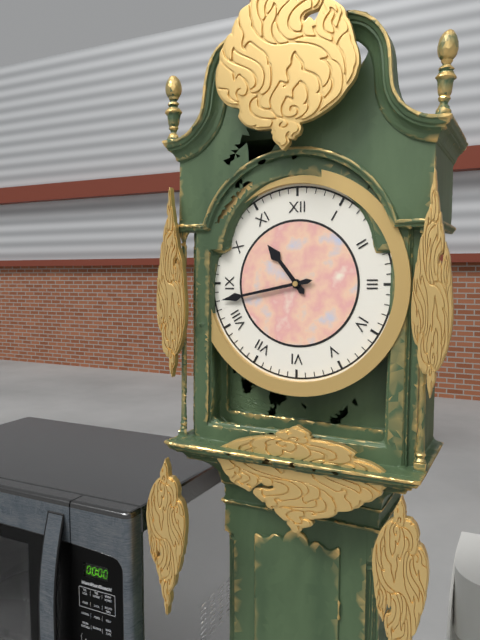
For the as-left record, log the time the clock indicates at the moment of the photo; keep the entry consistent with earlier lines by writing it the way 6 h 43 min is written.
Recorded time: 10 h 43 min
